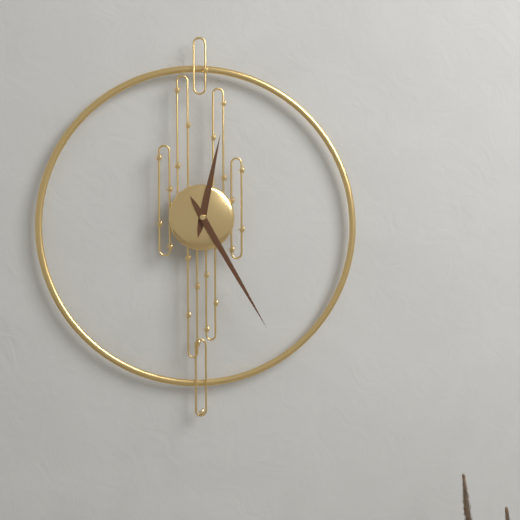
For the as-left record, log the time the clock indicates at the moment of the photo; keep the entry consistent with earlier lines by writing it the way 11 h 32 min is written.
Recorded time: 12 h 25 min
